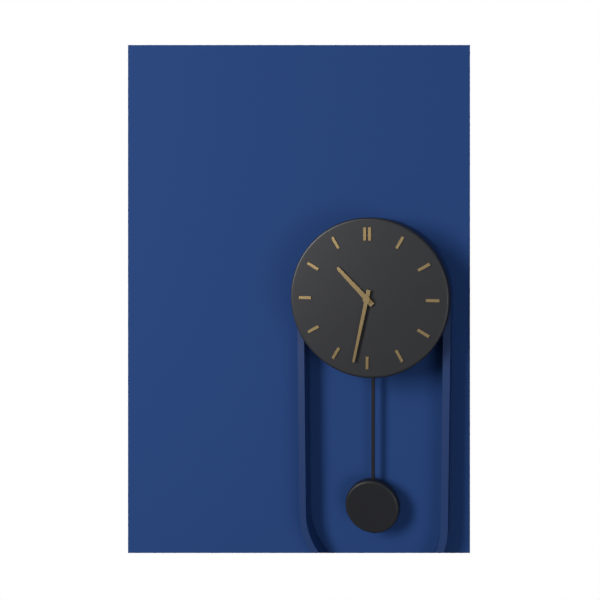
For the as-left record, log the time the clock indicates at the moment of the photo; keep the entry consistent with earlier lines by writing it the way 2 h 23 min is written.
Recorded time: 10 h 32 min
